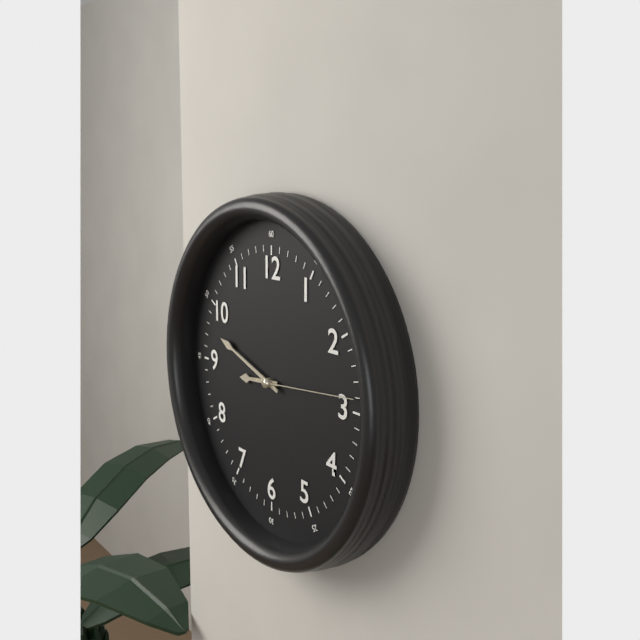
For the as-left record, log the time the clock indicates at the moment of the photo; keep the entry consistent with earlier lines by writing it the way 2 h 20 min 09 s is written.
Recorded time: 8 h 48 min 14 s
